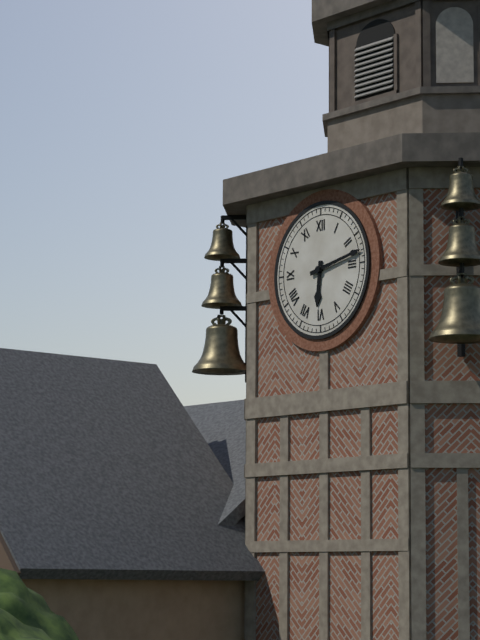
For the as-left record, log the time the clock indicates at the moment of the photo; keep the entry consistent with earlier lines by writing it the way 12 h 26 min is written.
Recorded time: 6 h 13 min
